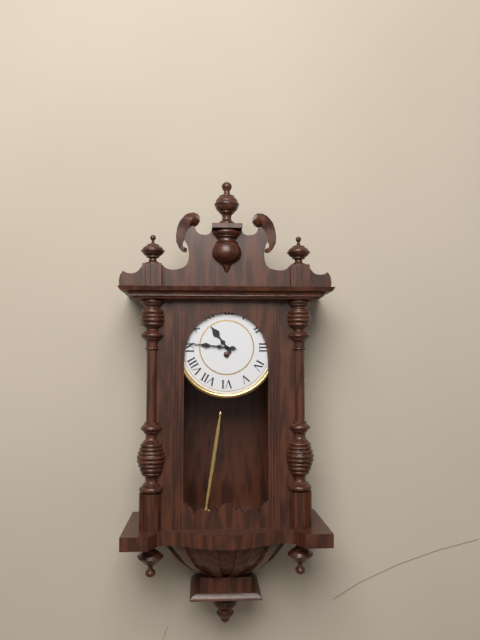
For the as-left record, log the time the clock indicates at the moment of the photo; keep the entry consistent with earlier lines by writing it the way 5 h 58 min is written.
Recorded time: 10 h 46 min
